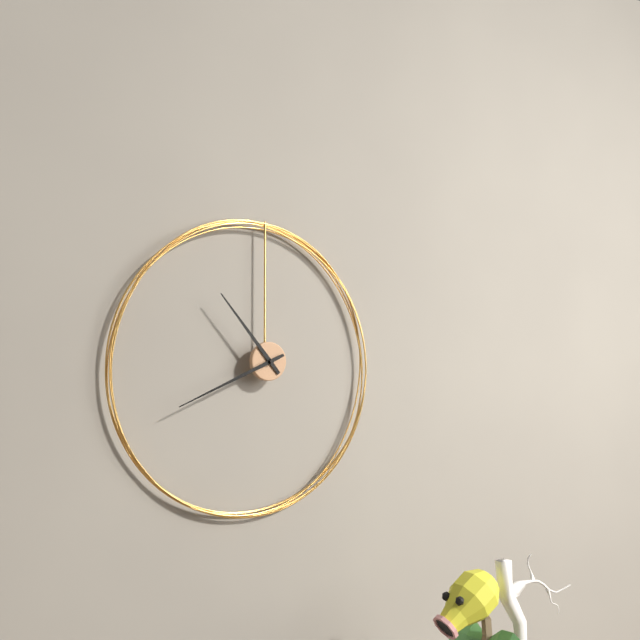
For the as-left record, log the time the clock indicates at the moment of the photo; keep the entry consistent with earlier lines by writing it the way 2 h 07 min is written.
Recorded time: 10 h 41 min
